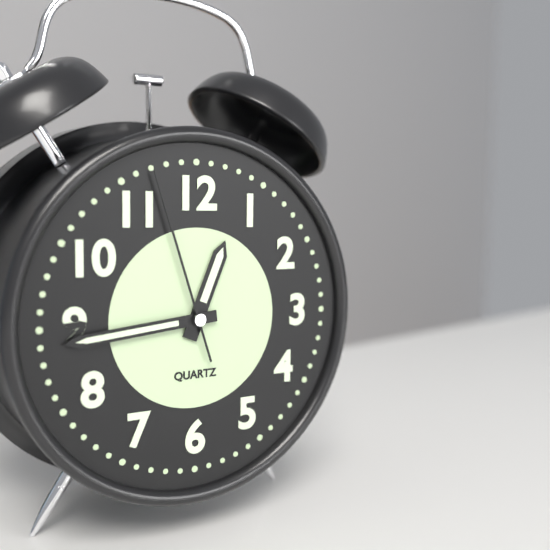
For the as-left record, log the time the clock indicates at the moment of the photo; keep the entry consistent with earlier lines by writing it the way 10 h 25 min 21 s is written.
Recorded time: 12 h 44 min 57 s
